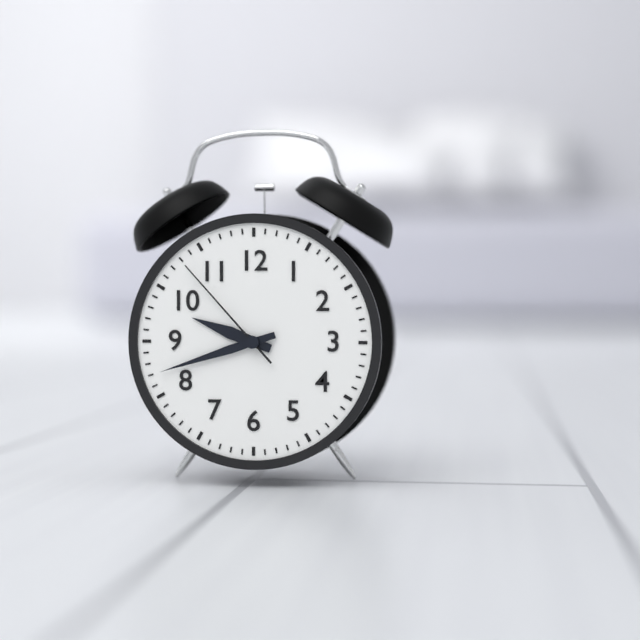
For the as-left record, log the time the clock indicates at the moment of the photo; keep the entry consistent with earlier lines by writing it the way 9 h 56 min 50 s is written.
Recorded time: 9 h 42 min 53 s
